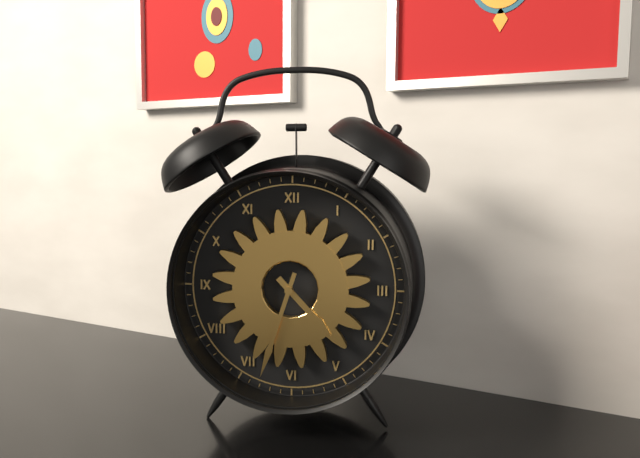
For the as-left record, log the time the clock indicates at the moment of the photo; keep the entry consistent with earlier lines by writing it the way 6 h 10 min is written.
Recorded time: 4 h 33 min
